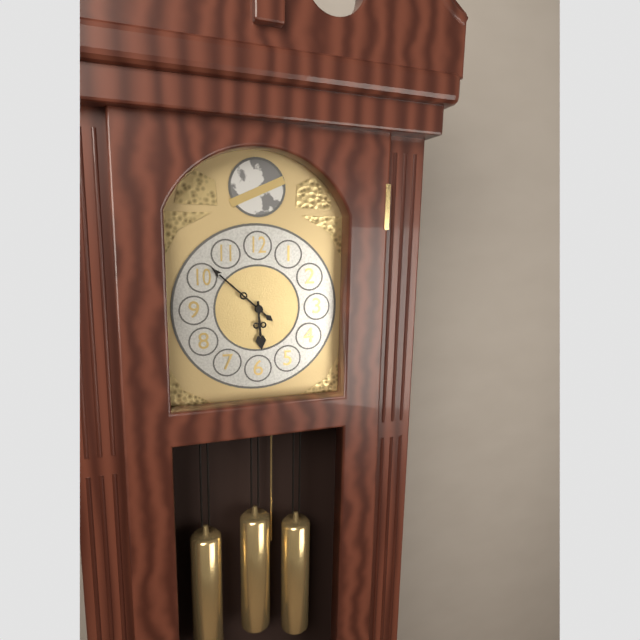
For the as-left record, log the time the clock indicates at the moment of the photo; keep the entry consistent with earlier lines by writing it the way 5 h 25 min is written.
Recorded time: 5 h 52 min
